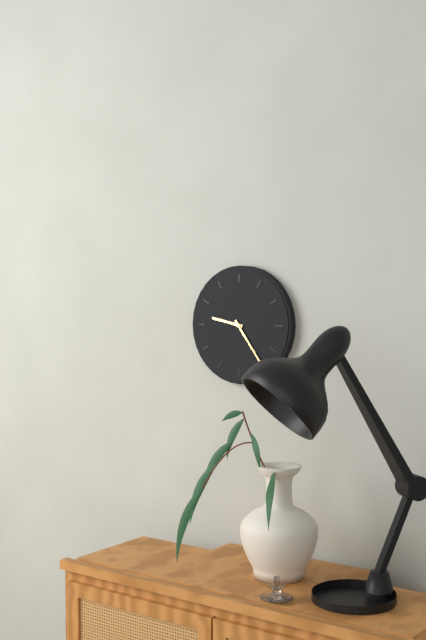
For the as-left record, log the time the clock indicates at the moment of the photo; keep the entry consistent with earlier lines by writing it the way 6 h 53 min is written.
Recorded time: 9 h 24 min
